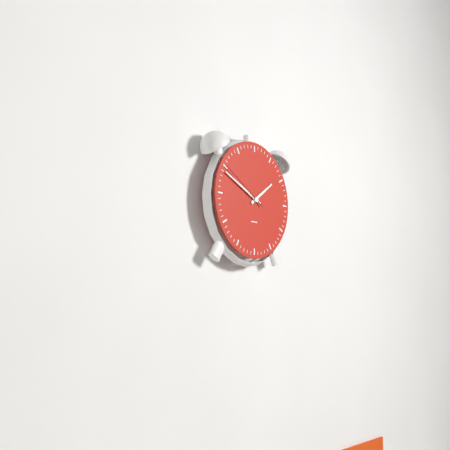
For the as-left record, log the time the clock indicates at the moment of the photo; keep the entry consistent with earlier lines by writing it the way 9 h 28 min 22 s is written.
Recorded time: 1 h 49 min 50 s
